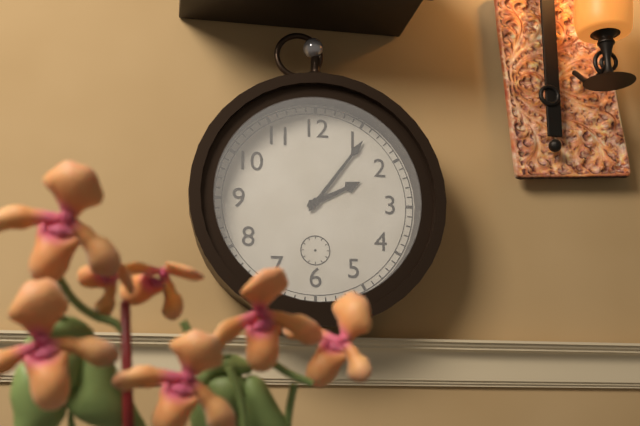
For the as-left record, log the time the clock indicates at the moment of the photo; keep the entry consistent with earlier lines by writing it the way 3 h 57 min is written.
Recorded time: 2 h 06 min
